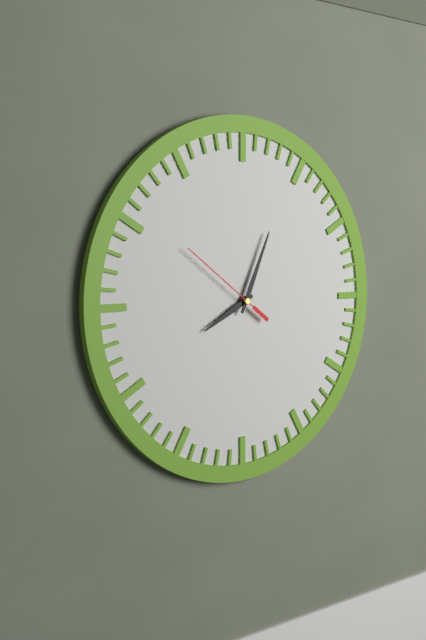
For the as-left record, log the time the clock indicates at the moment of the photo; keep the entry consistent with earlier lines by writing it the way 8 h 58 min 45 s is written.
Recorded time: 8 h 04 min 51 s
